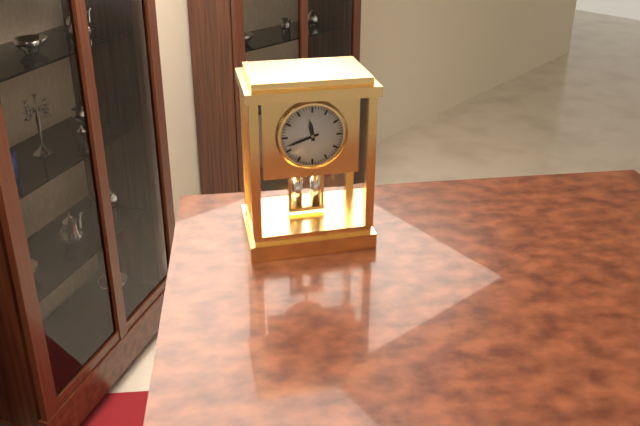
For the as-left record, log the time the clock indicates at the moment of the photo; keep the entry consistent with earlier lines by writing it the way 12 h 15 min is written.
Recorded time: 11 h 42 min
